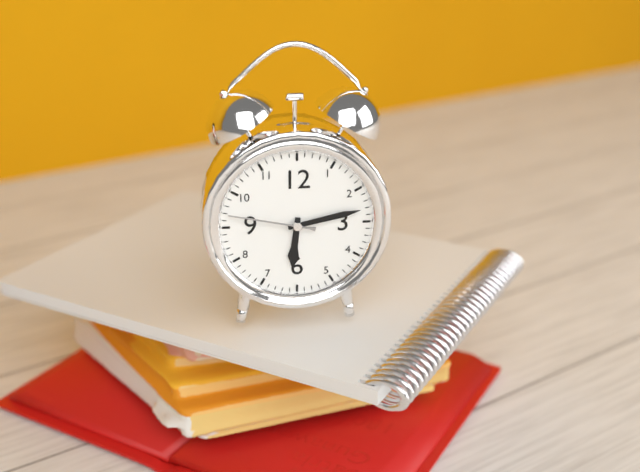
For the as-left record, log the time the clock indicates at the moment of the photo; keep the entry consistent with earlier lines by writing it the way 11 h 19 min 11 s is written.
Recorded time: 6 h 13 min 47 s
